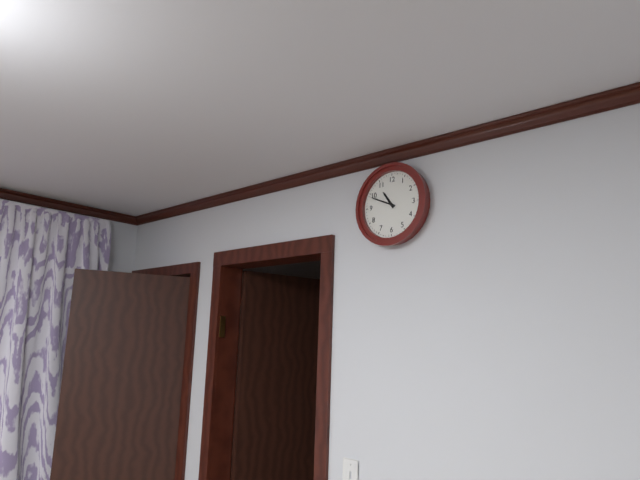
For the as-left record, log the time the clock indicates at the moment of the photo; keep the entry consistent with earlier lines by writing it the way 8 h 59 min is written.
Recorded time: 10 h 49 min
